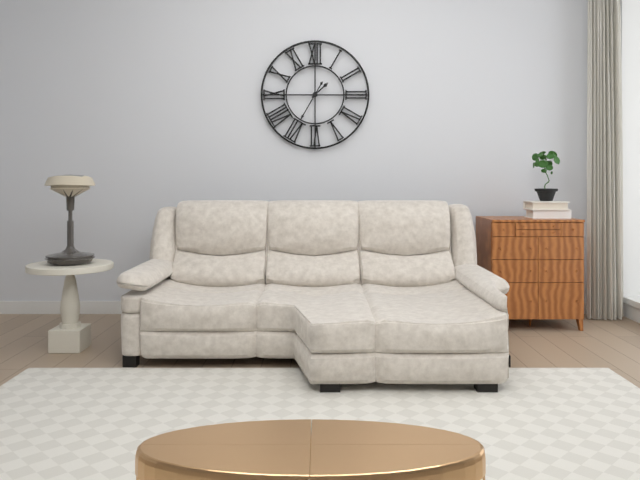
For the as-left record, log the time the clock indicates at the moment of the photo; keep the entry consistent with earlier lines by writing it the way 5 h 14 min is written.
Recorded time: 1 h 35 min
